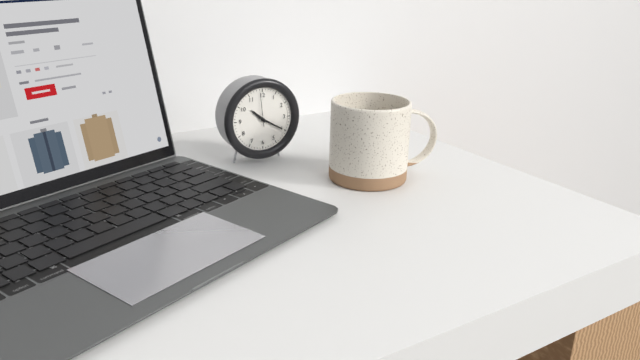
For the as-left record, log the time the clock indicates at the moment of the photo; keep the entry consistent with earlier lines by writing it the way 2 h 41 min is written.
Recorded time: 10 h 20 min
